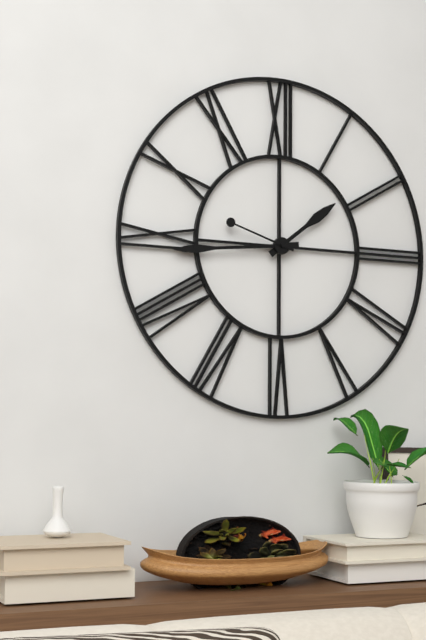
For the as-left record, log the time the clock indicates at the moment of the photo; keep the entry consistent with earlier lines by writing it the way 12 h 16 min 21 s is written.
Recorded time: 1 h 44 min 48 s
